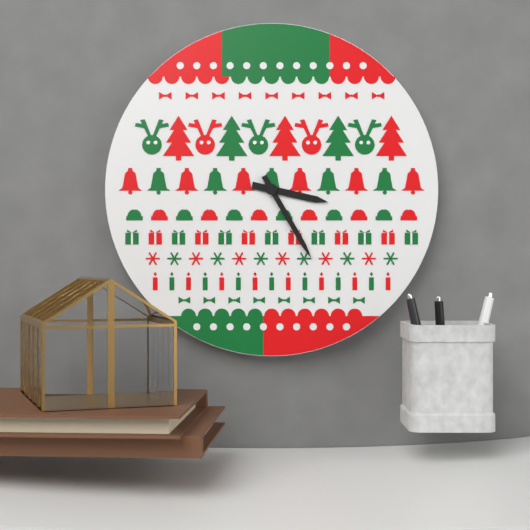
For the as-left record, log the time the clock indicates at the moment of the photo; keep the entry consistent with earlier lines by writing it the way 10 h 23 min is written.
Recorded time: 3 h 25 min
